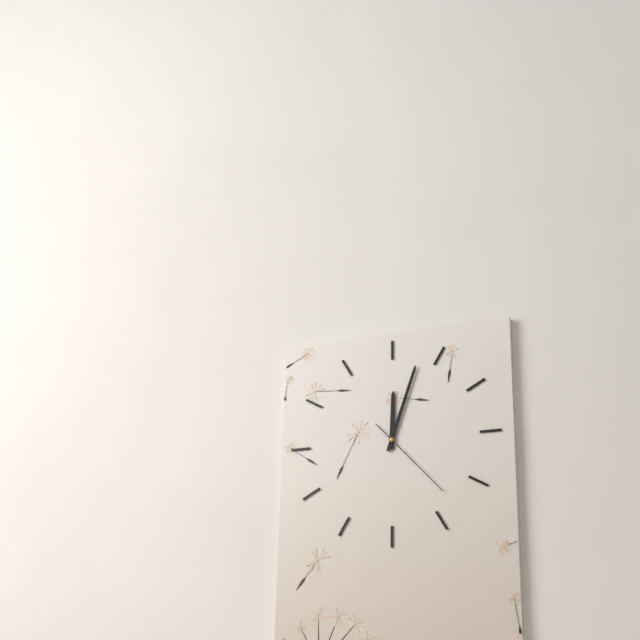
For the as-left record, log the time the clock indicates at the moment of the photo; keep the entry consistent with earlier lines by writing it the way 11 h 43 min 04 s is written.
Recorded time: 12 h 03 min 23 s
